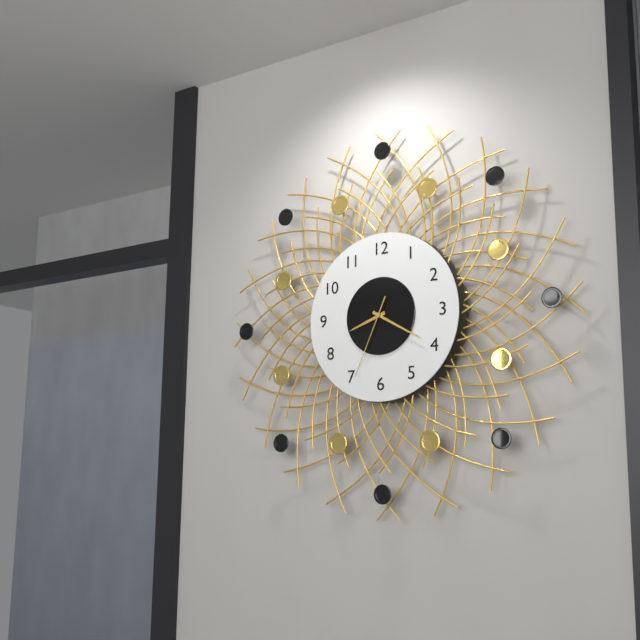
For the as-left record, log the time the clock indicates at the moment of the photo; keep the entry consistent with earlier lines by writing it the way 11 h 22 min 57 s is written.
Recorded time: 8 h 20 min 34 s
